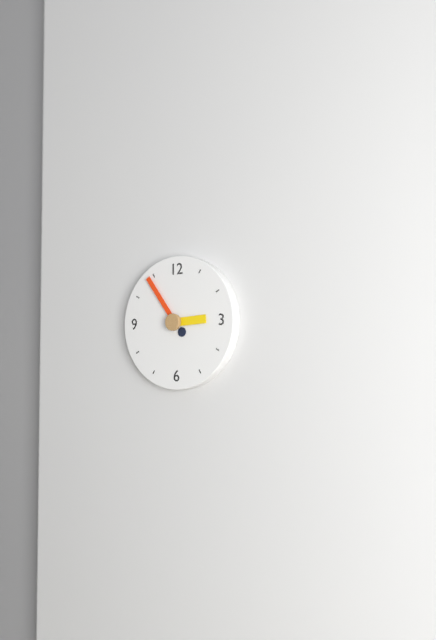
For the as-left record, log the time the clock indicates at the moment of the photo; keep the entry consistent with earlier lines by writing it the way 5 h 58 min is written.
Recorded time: 2 h 54 min
